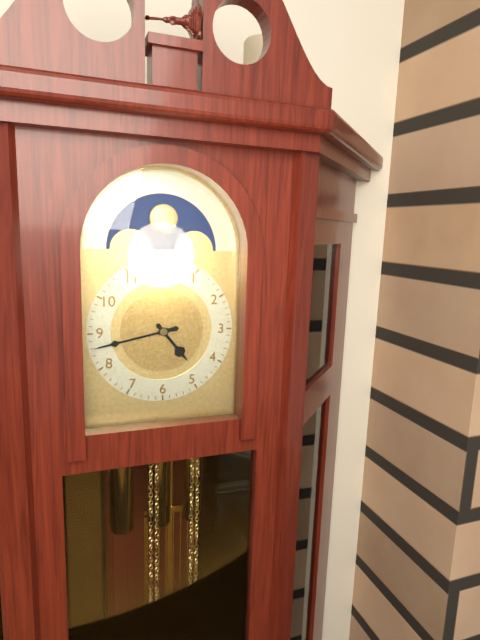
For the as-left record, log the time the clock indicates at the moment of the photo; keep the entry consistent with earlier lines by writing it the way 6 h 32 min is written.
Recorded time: 4 h 43 min
